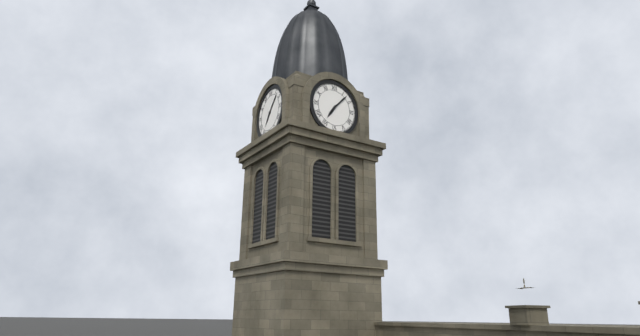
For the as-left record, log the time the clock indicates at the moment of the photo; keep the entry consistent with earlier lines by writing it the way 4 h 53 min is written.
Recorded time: 7 h 07 min
